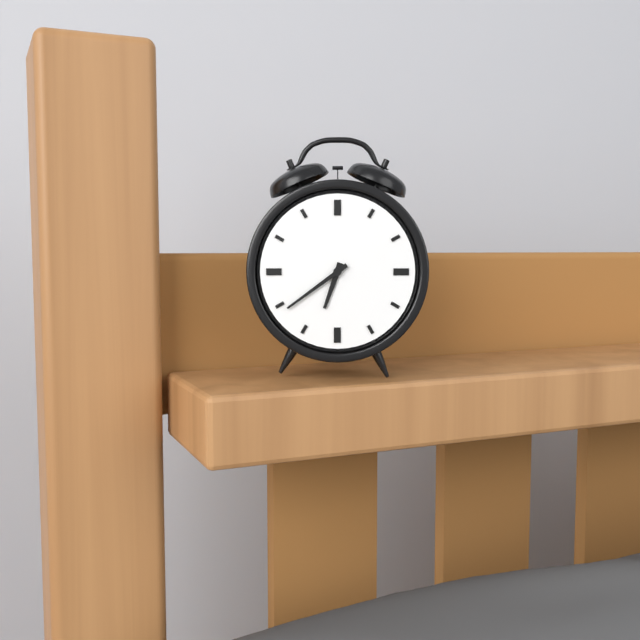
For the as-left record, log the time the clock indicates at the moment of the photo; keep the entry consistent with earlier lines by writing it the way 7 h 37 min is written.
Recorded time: 6 h 39 min
